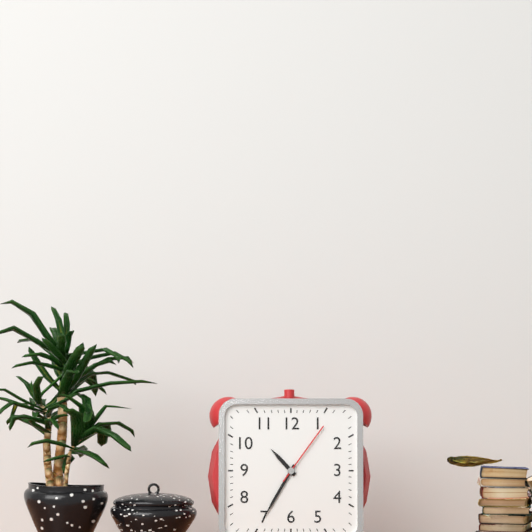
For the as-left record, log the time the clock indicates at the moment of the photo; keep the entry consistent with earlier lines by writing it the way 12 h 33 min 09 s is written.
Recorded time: 10 h 35 min 06 s
